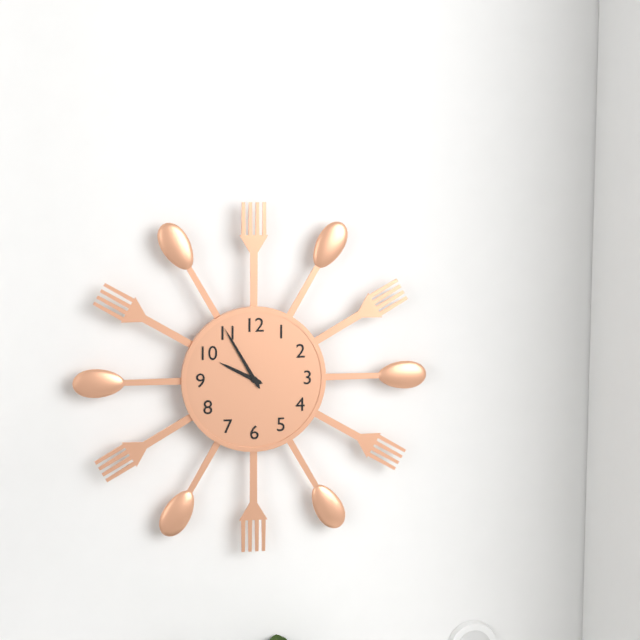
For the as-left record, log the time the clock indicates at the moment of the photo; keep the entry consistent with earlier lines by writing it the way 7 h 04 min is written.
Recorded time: 9 h 55 min
